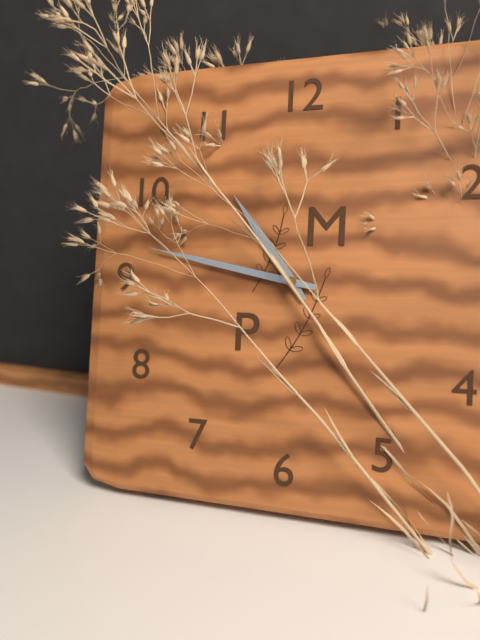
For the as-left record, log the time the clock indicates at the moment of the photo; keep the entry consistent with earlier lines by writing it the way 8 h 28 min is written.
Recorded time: 10 h 47 min
